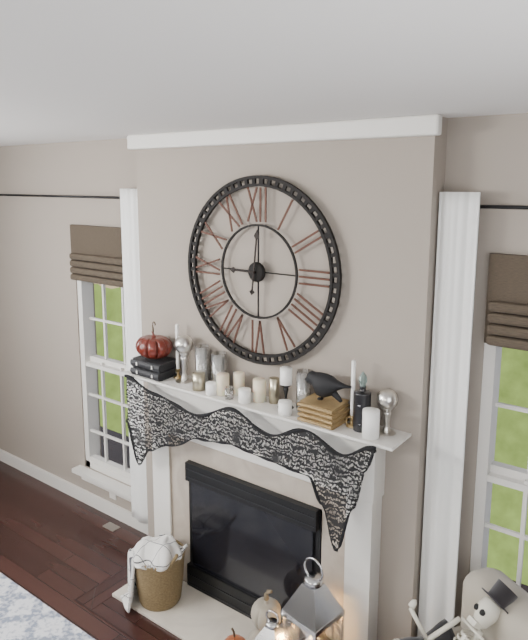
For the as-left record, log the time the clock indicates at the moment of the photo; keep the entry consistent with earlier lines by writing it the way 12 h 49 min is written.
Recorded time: 9 h 01 min
